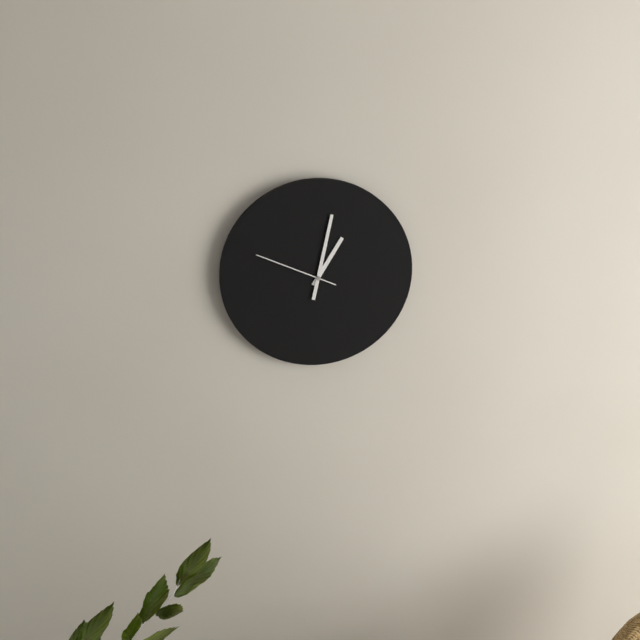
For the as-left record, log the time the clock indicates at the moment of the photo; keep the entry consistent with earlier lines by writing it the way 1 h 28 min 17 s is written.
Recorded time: 1 h 02 min 49 s
